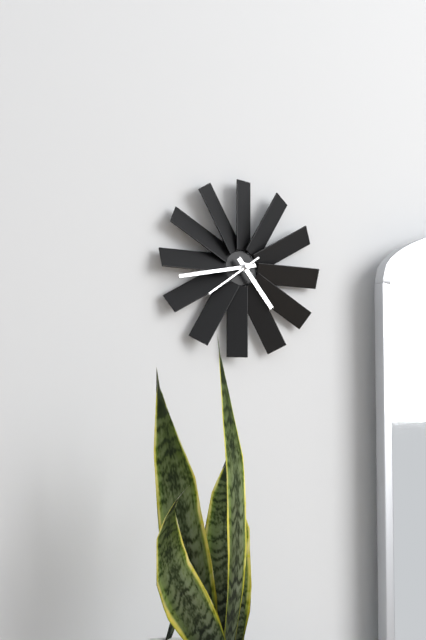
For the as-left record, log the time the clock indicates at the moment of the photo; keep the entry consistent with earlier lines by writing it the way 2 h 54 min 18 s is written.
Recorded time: 4 h 43 min 39 s
